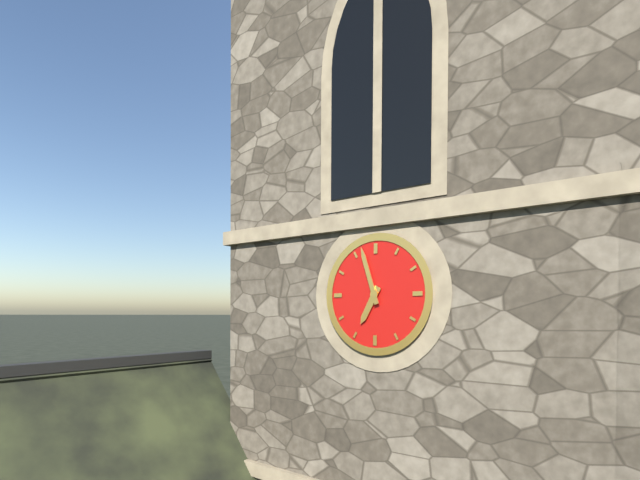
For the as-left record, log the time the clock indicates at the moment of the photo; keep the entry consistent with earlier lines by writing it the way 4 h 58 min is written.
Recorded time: 6 h 57 min
